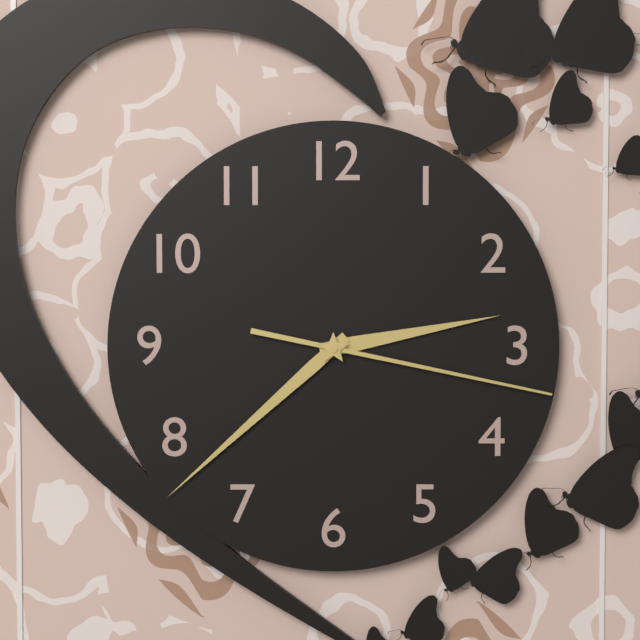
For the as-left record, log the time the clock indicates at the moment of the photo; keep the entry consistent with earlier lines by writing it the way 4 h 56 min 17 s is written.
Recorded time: 2 h 38 min 17 s
